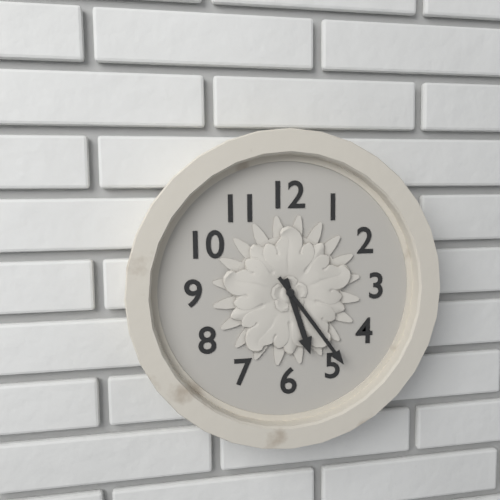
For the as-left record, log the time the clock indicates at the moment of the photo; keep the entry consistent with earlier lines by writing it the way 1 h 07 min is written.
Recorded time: 5 h 24 min
